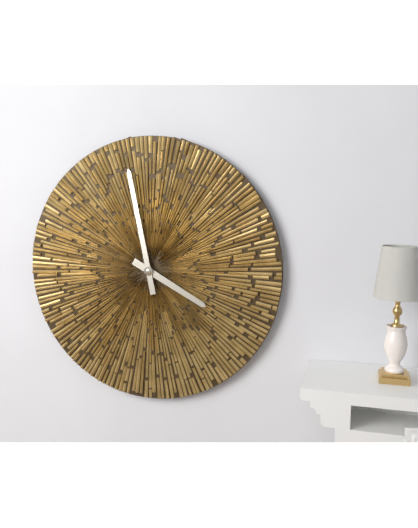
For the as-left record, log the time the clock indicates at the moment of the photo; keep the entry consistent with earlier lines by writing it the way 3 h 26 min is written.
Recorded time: 3 h 58 min
